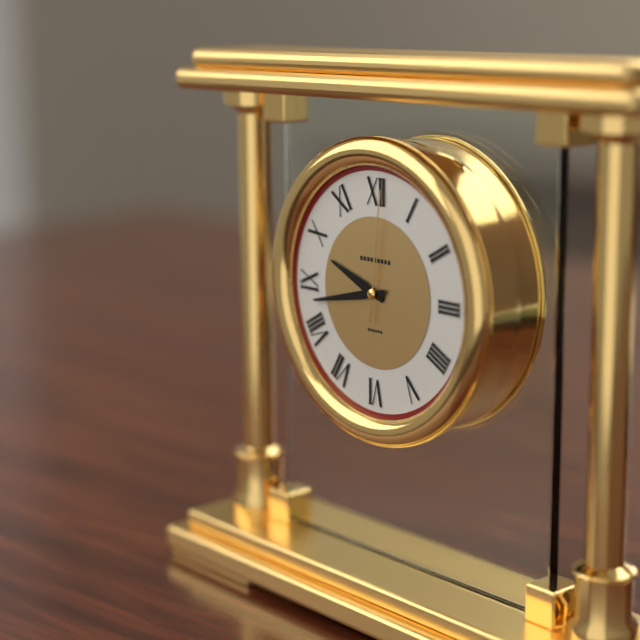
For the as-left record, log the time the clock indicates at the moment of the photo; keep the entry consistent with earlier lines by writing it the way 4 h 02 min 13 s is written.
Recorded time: 9 h 43 min 01 s
